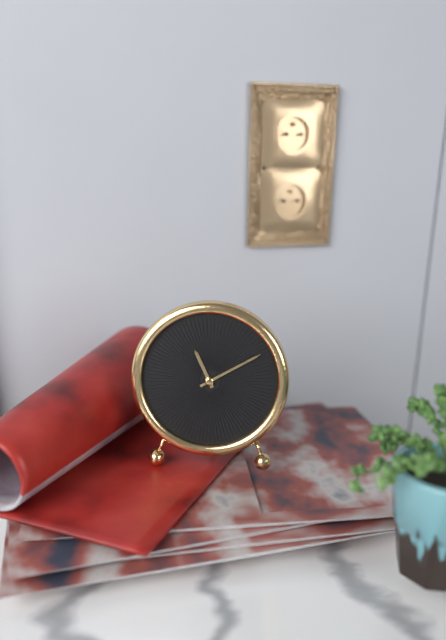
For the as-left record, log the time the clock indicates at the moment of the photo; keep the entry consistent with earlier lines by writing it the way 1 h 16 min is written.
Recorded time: 11 h 10 min
